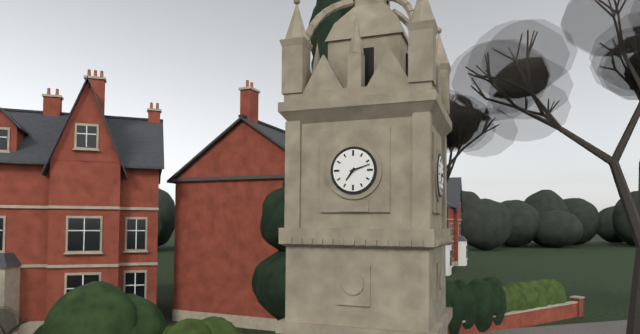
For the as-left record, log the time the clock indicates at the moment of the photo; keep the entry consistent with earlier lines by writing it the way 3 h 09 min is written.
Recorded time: 7 h 12 min
